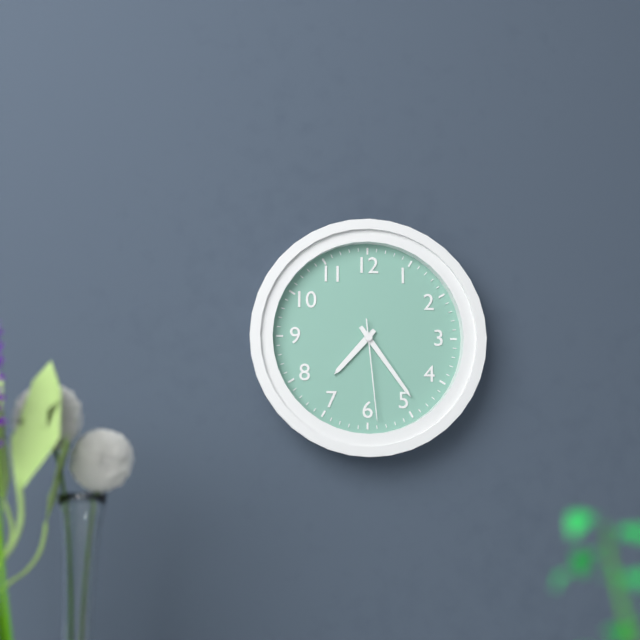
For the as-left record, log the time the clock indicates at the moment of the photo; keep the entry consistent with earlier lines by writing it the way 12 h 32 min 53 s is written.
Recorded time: 7 h 24 min 29 s
